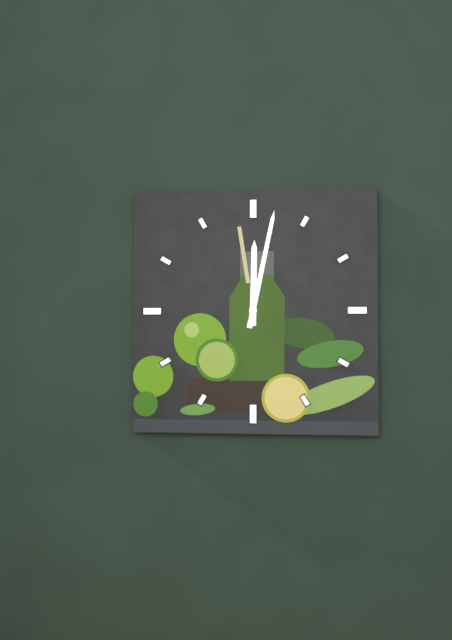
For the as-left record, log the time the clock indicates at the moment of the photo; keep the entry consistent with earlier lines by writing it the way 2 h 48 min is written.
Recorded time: 12 h 02 min
